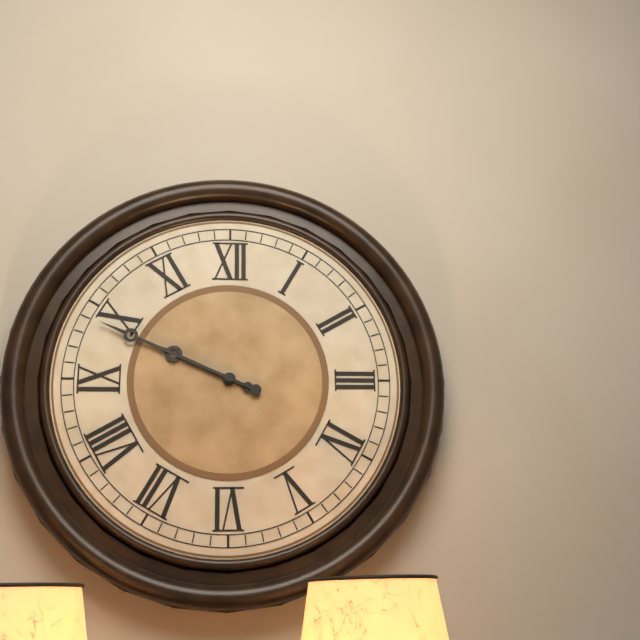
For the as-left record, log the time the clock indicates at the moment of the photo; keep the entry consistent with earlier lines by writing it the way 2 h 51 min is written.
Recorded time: 9 h 49 min
